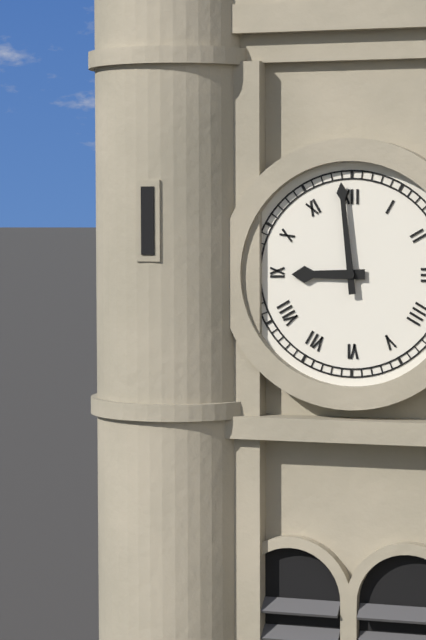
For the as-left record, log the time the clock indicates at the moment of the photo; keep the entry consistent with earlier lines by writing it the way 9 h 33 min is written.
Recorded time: 8 h 59 min
